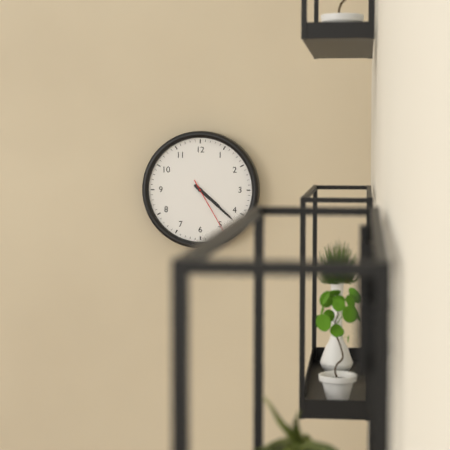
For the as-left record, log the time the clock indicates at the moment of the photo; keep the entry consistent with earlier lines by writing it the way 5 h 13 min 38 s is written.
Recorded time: 4 h 22 min 25 s
